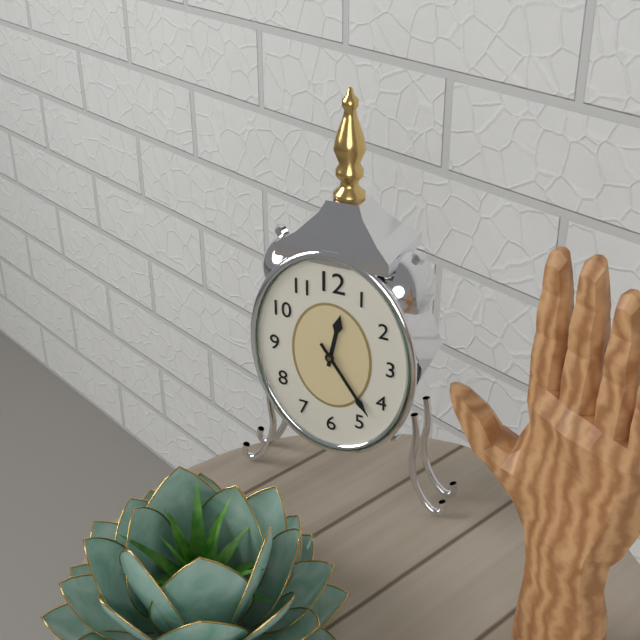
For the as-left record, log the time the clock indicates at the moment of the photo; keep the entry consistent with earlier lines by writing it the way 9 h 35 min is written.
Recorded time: 12 h 24 min
